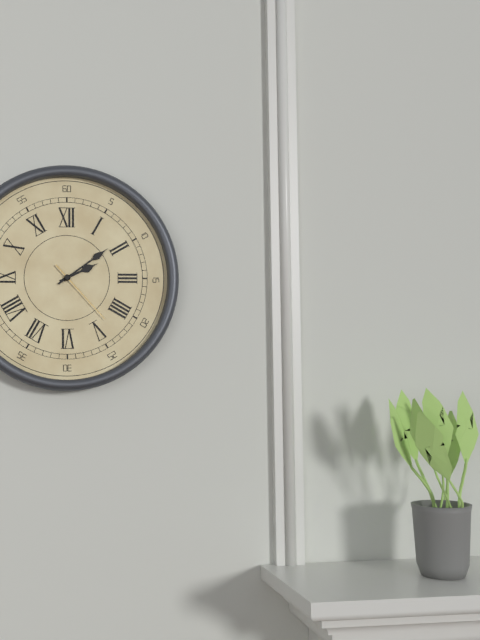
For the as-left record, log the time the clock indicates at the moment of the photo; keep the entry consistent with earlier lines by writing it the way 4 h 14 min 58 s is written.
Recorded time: 2 h 09 min 23 s
